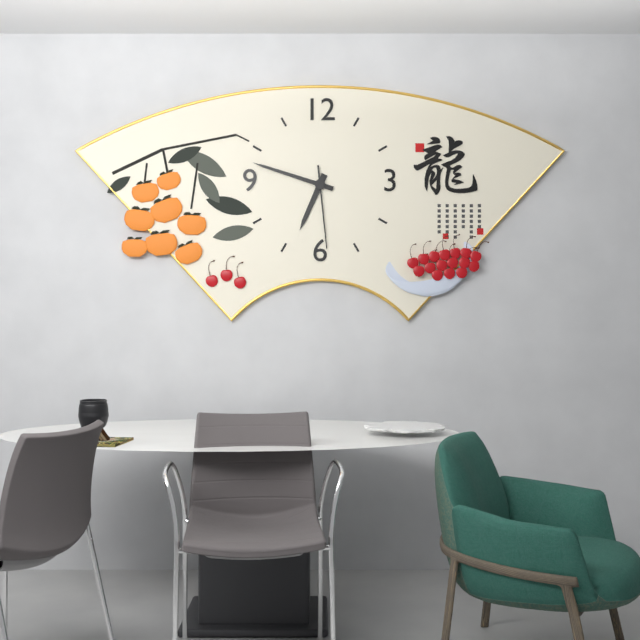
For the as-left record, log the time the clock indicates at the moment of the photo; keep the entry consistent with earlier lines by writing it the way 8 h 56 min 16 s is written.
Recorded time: 6 h 48 min 29 s
